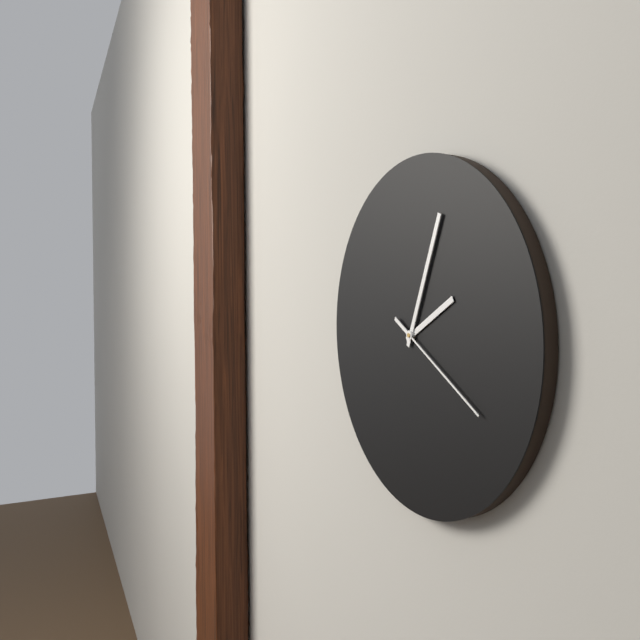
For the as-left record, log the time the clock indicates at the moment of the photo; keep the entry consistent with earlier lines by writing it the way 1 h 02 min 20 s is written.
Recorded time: 2 h 04 min 20 s
